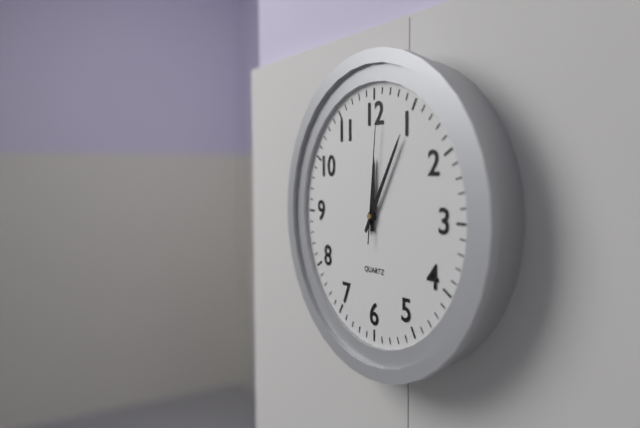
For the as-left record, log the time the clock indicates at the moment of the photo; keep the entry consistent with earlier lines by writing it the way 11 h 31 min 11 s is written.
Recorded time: 12 h 05 min 01 s
